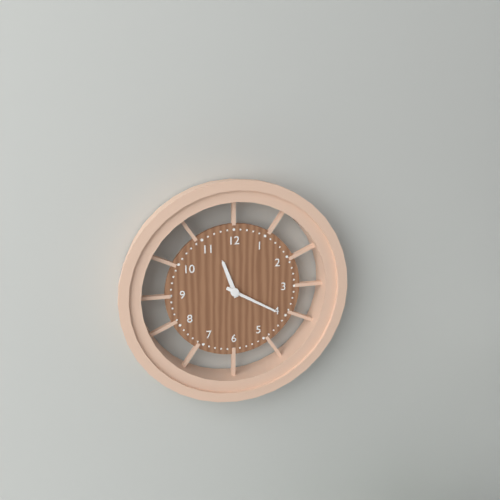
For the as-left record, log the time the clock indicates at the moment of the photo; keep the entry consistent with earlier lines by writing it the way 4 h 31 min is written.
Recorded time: 11 h 20 min
